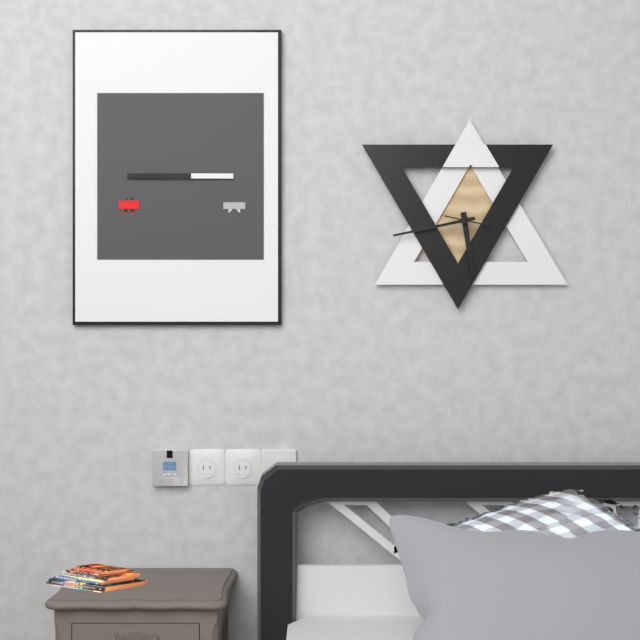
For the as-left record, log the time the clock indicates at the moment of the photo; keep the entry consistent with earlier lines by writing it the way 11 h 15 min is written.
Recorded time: 5 h 43 min
